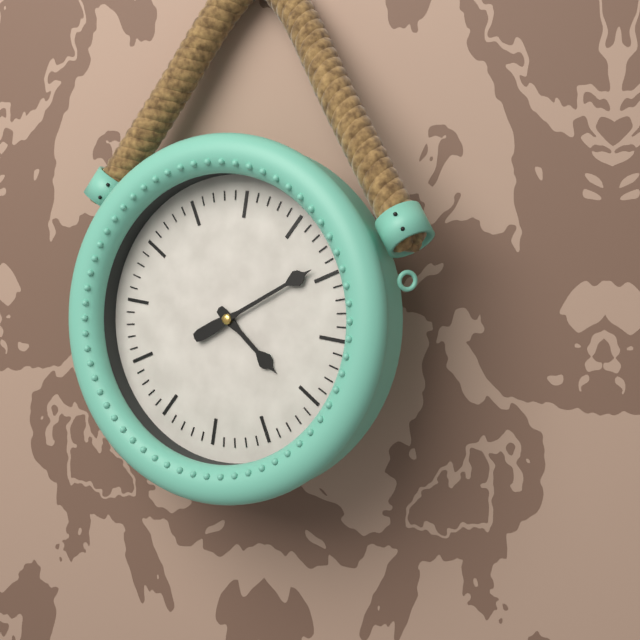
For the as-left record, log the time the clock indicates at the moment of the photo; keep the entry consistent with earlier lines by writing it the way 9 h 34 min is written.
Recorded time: 4 h 09 min
